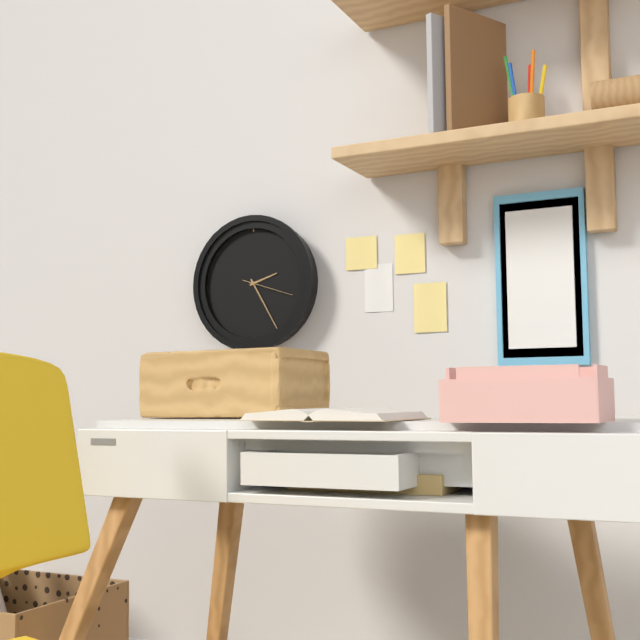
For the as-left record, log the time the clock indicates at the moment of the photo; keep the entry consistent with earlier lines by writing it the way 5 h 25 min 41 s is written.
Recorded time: 2 h 25 min 18 s
